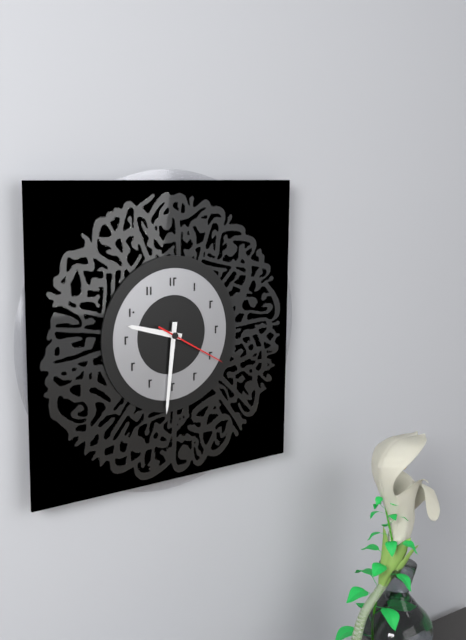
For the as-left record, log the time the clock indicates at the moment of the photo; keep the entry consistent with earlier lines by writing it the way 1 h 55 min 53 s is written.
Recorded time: 9 h 31 min 20 s
